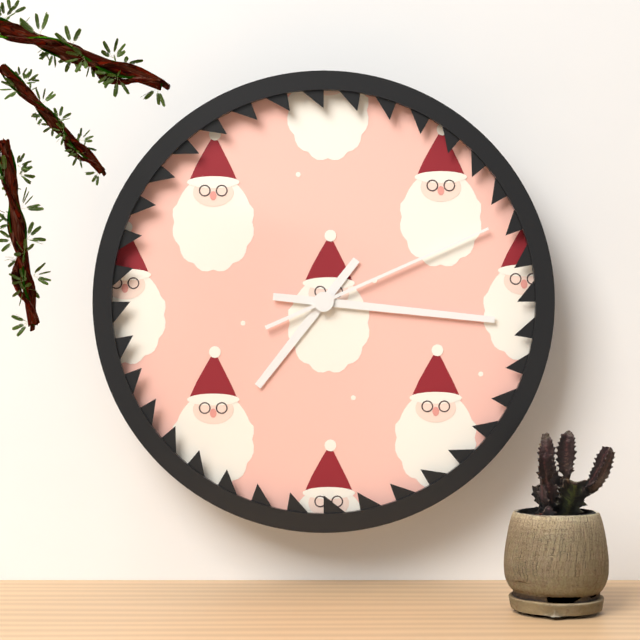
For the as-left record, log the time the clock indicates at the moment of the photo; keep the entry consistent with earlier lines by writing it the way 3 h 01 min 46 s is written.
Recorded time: 7 h 16 min 11 s
